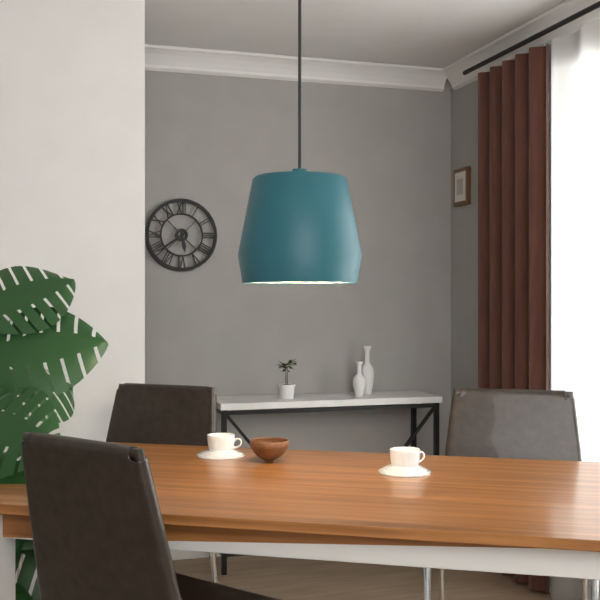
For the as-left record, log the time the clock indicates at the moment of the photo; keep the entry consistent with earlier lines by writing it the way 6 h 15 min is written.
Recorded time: 5 h 39 min
